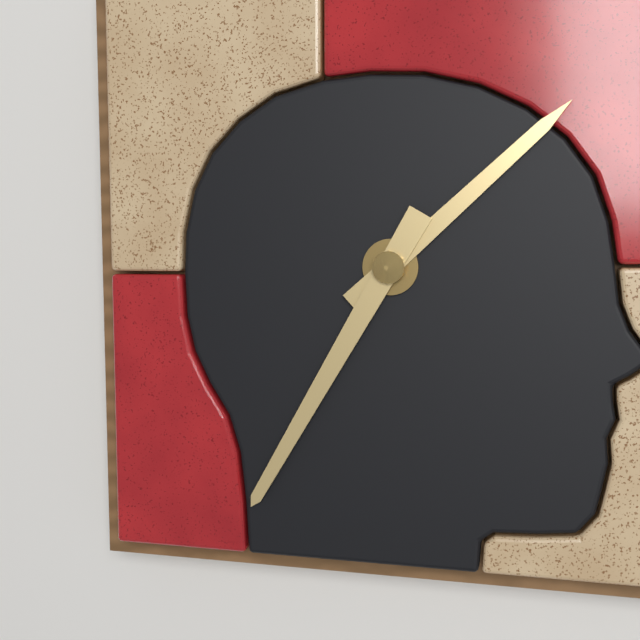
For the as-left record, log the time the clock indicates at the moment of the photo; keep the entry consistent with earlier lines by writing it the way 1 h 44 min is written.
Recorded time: 1 h 35 min
